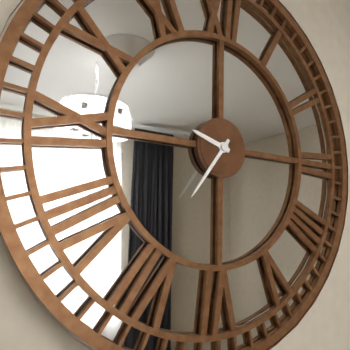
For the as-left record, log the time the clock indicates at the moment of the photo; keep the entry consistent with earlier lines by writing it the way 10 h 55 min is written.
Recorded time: 9 h 36 min
